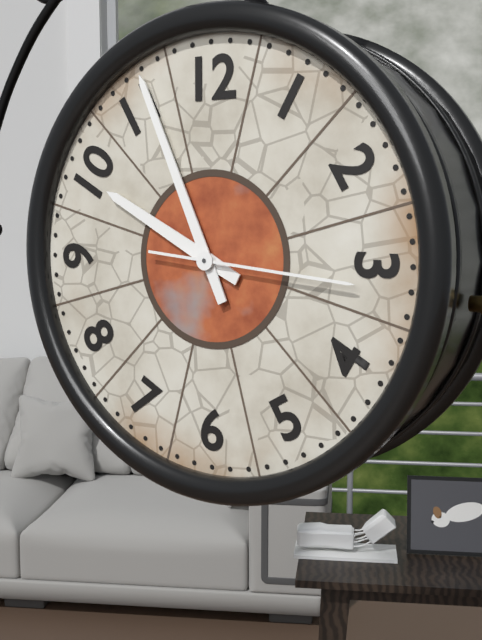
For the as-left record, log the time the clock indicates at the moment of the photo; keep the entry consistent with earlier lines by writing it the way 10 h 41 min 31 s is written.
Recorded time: 9 h 56 min 16 s
